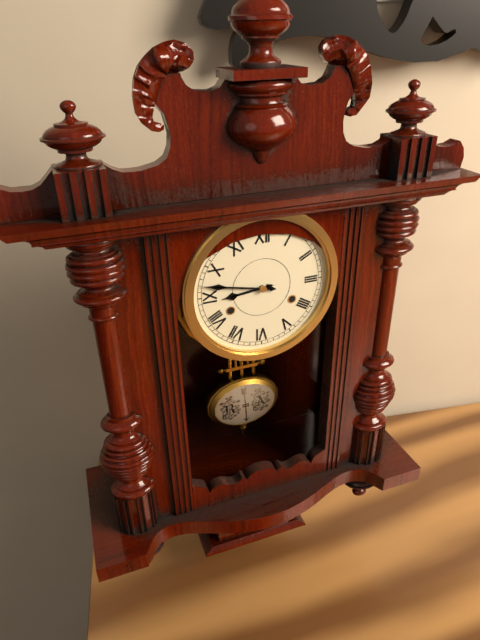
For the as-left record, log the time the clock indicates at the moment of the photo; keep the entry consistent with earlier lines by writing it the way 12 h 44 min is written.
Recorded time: 8 h 47 min
